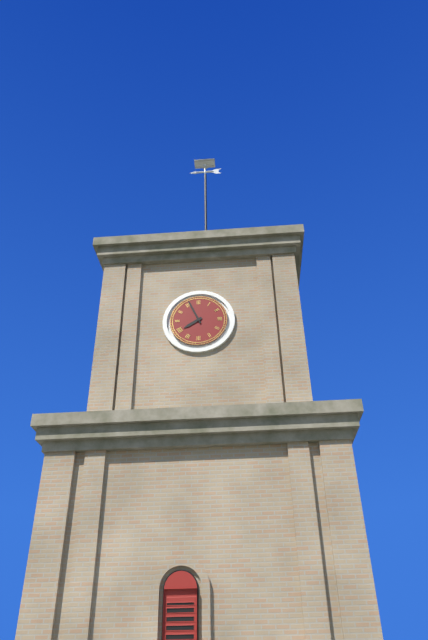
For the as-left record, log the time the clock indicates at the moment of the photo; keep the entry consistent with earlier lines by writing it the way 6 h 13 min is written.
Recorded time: 7 h 56 min
